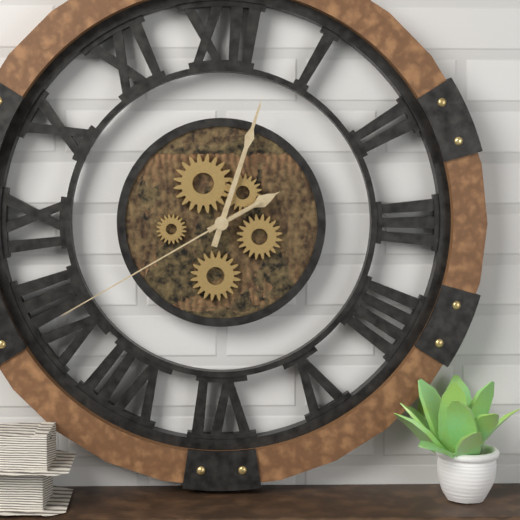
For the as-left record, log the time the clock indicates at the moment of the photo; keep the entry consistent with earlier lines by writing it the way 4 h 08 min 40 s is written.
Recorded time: 2 h 03 min 40 s
